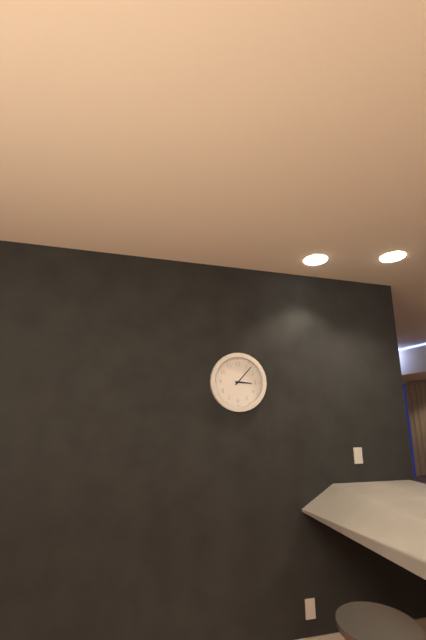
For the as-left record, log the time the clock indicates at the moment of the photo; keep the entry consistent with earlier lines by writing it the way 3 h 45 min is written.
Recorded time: 3 h 07 min
